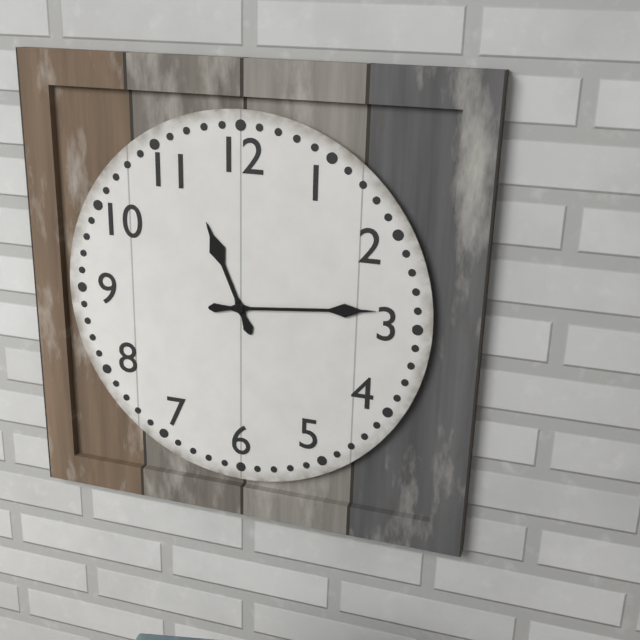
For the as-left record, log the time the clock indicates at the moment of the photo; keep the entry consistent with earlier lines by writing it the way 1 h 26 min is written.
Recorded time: 11 h 14 min
